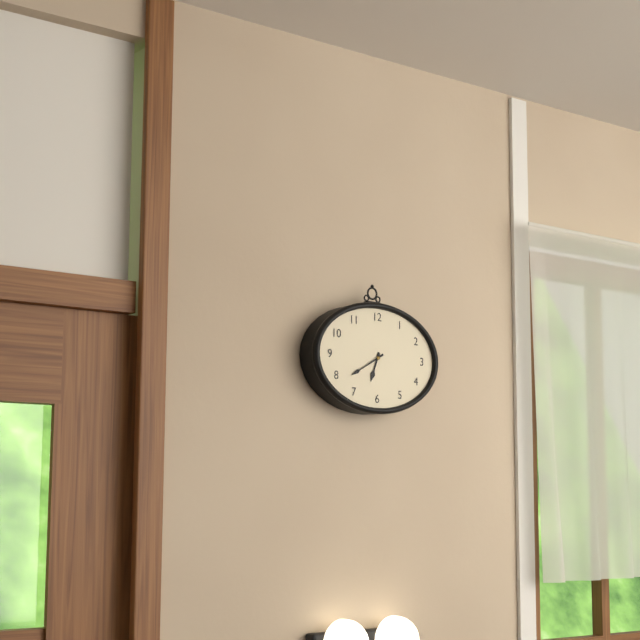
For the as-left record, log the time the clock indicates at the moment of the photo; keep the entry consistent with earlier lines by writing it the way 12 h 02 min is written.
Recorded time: 6 h 40 min
